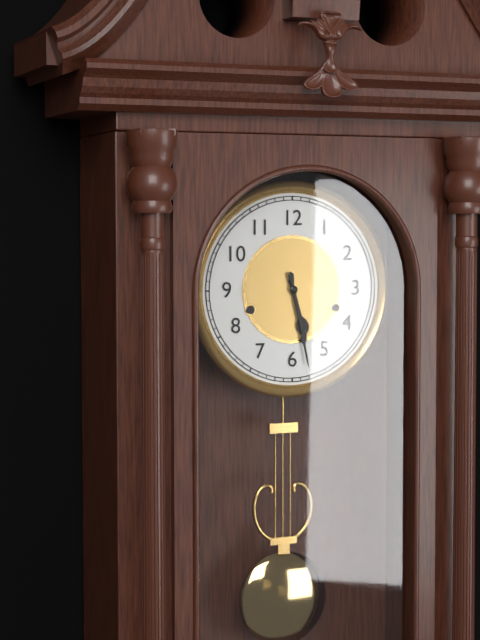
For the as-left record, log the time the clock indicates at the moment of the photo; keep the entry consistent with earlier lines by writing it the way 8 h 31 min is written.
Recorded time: 5 h 28 min
